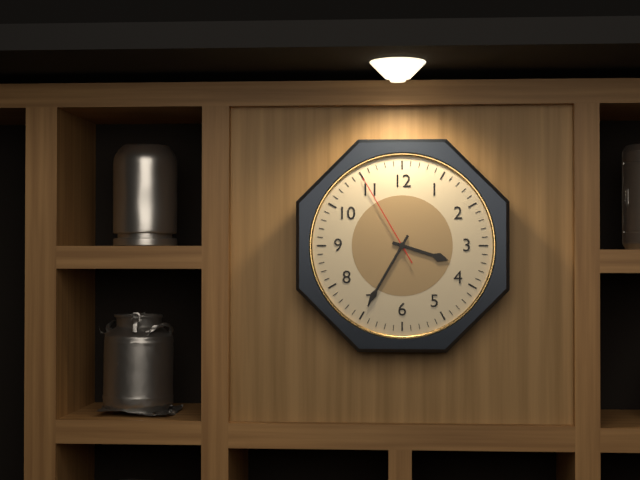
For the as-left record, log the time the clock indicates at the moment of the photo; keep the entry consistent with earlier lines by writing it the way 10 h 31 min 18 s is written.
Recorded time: 3 h 35 min 55 s
